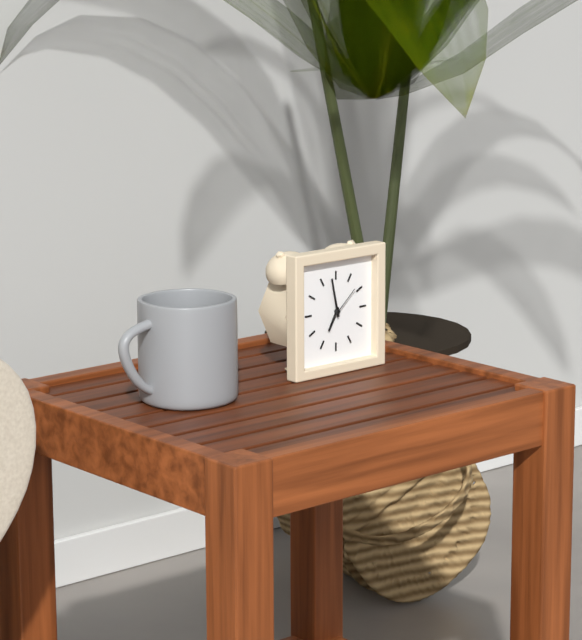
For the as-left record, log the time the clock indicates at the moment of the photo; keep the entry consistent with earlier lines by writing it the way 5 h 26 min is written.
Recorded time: 6 h 58 min
